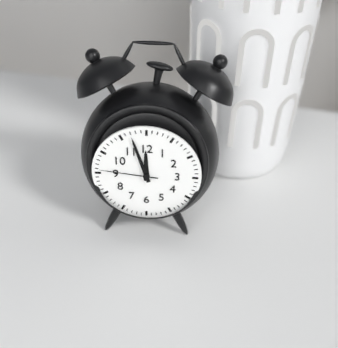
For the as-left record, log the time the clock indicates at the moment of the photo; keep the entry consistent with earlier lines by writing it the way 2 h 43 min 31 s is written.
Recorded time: 11 h 57 min 46 s
